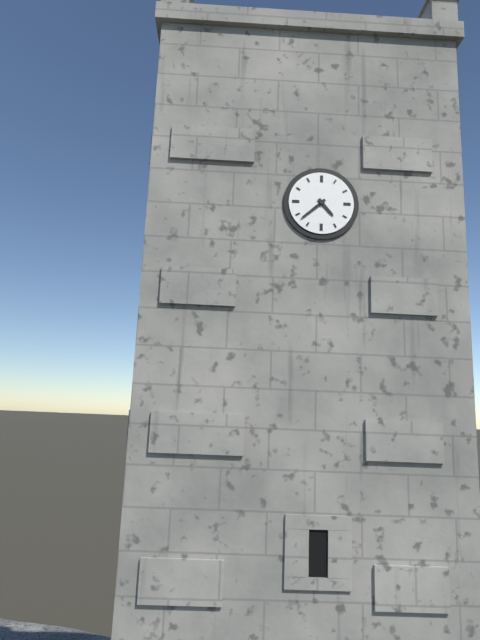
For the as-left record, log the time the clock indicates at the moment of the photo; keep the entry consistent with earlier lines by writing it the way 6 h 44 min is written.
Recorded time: 4 h 38 min
